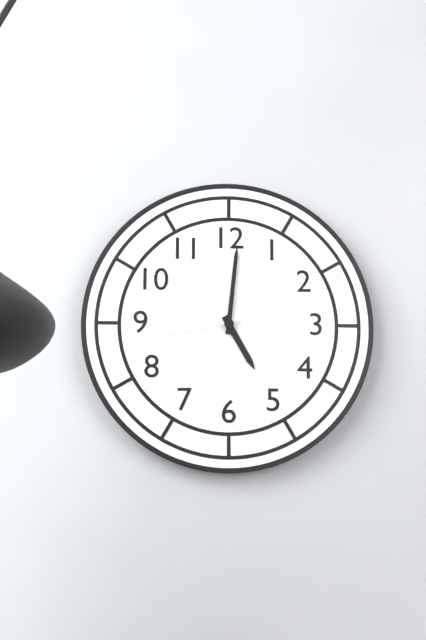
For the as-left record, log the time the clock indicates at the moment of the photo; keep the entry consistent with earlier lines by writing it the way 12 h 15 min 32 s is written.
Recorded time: 5 h 01 min 43 s
